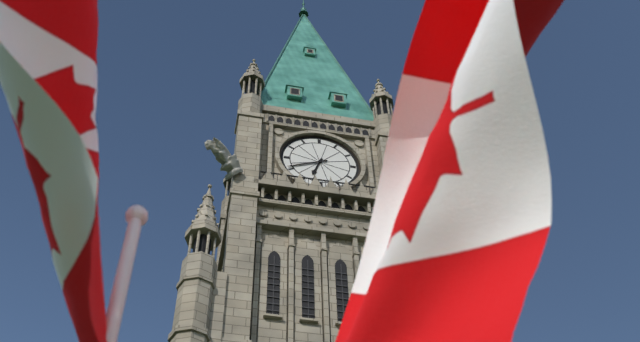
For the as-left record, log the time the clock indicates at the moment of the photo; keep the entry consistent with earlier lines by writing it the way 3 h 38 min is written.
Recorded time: 6 h 41 min
